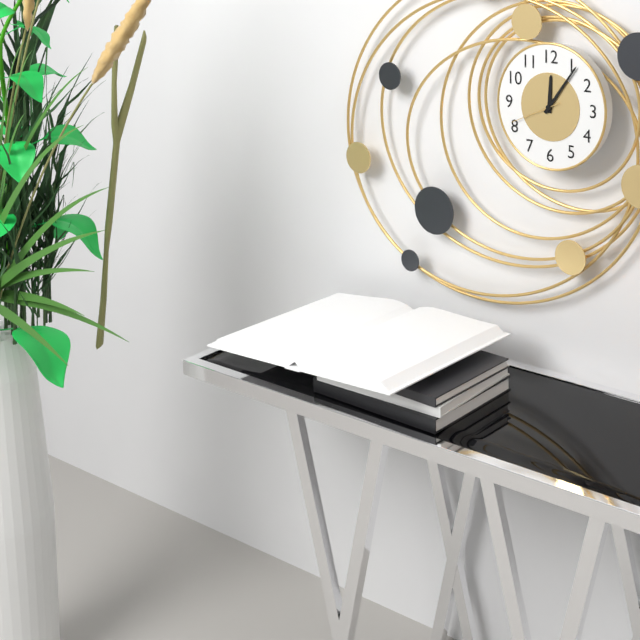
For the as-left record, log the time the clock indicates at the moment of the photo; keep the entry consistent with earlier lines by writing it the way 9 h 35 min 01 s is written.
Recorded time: 12 h 06 min 41 s
